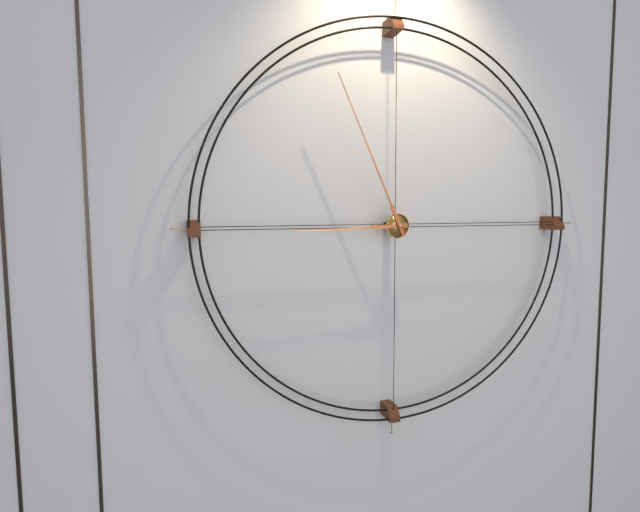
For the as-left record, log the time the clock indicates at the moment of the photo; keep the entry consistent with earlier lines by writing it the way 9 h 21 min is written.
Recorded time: 8 h 56 min
